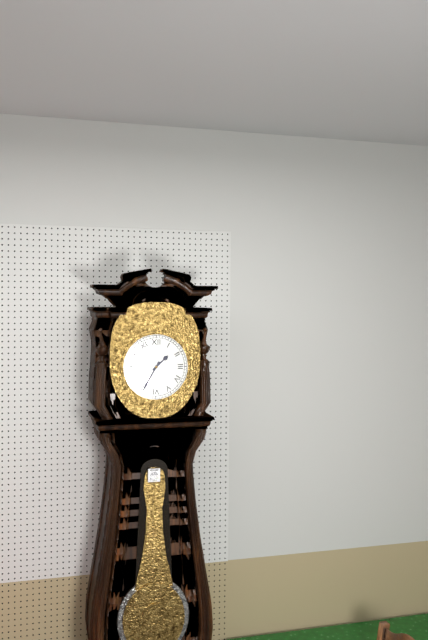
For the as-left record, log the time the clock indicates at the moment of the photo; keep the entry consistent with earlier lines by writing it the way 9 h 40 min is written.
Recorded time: 1 h 35 min
